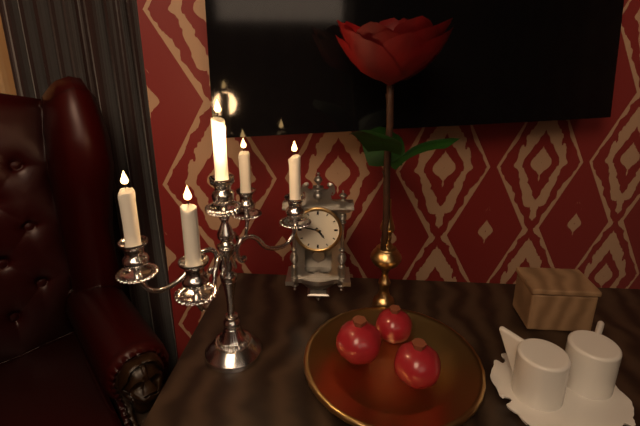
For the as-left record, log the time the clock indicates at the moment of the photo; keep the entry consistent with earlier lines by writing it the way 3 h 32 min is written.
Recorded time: 4 h 47 min
